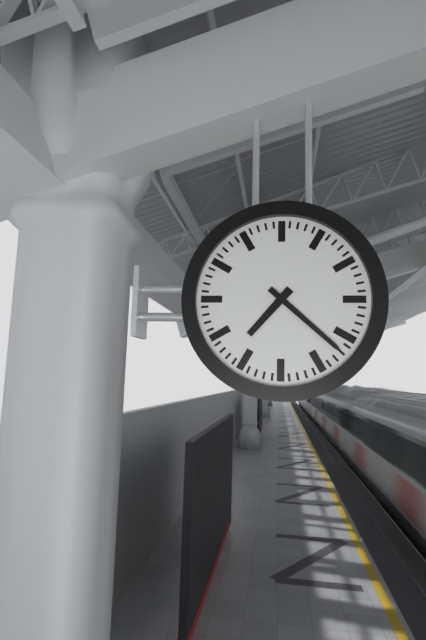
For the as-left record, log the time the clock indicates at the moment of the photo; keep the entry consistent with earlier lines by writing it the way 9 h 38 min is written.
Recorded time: 7 h 22 min
